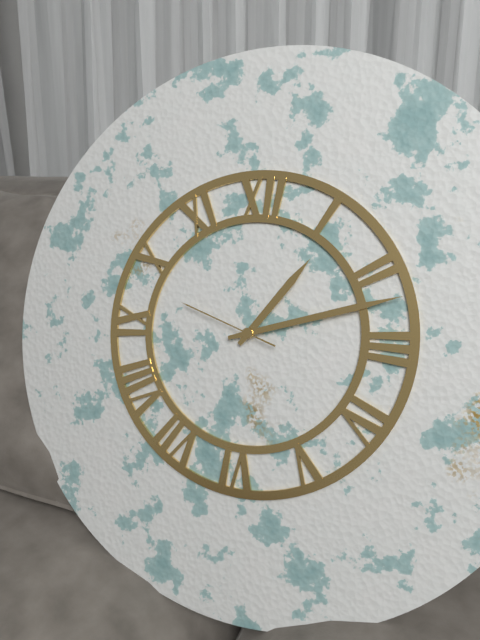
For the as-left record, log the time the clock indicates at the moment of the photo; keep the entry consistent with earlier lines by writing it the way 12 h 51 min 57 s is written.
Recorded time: 1 h 12 min 48 s
